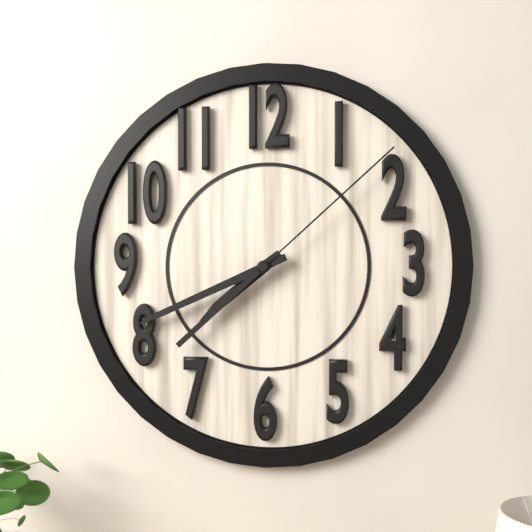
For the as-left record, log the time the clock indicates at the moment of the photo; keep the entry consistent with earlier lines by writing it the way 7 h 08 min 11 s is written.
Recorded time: 7 h 41 min 08 s
